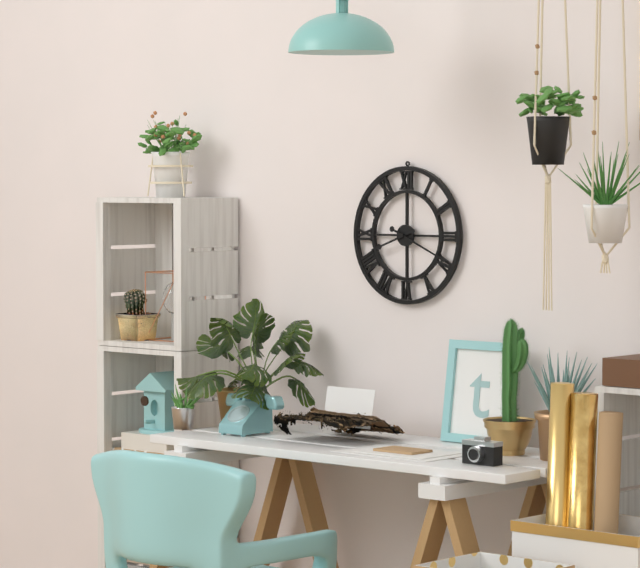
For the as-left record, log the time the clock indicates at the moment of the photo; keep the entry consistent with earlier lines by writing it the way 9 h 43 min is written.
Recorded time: 8 h 19 min
